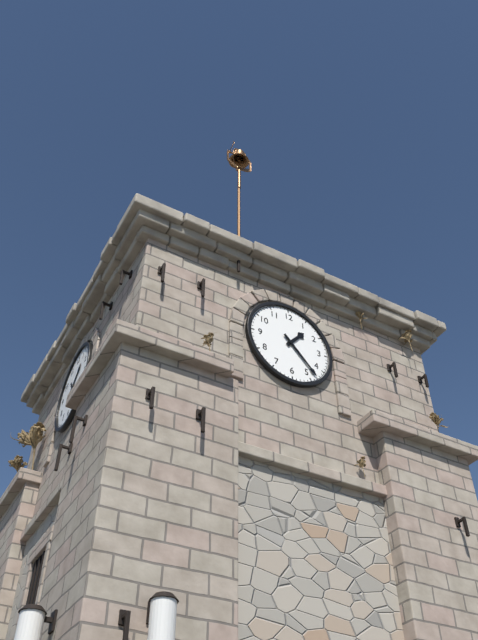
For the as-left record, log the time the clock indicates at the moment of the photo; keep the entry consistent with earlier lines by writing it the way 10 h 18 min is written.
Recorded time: 1 h 23 min
